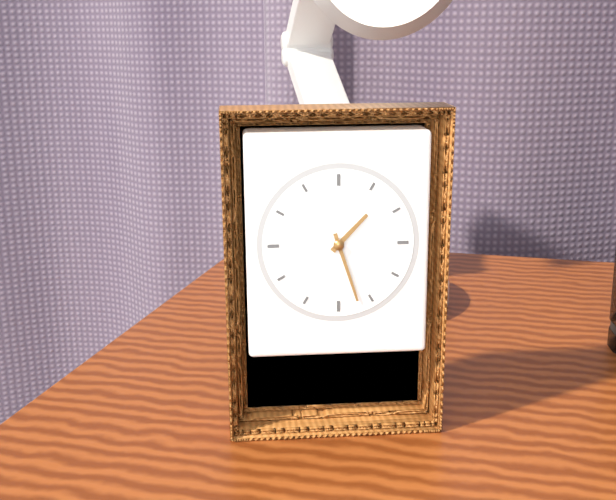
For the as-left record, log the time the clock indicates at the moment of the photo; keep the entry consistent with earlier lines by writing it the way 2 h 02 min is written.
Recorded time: 1 h 27 min
